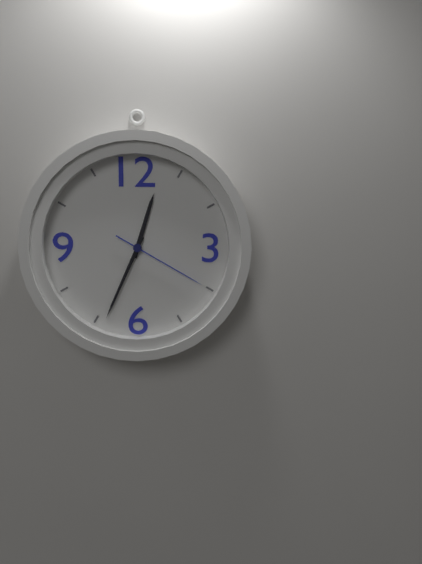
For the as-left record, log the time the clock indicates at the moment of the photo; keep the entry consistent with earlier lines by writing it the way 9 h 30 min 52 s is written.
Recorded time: 12 h 34 min 20 s
